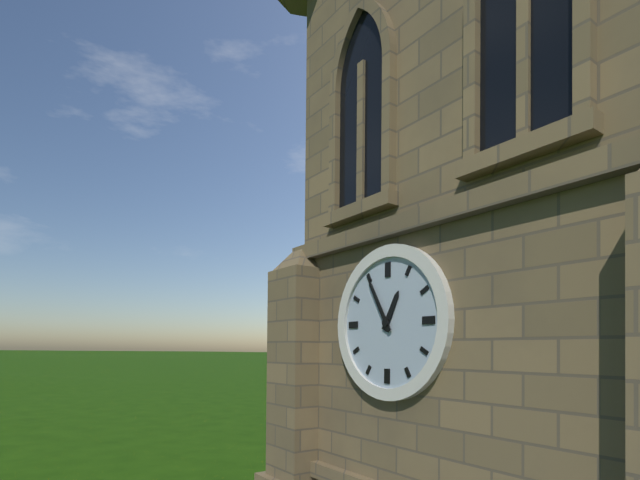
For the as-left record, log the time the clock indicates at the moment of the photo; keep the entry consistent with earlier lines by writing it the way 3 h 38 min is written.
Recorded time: 12 h 55 min
